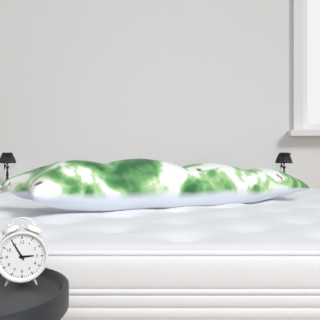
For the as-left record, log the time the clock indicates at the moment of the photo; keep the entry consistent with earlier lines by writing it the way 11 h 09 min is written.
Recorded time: 2 h 55 min
